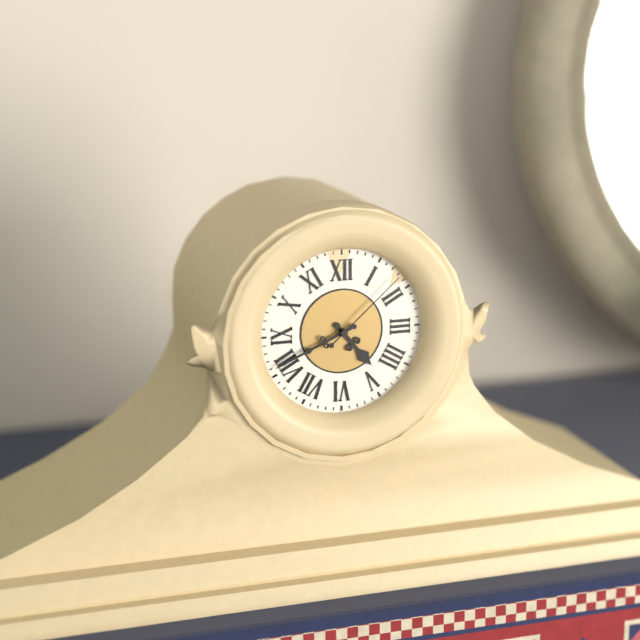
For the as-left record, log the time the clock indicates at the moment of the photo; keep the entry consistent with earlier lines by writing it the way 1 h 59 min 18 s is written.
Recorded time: 4 h 41 min 08 s
